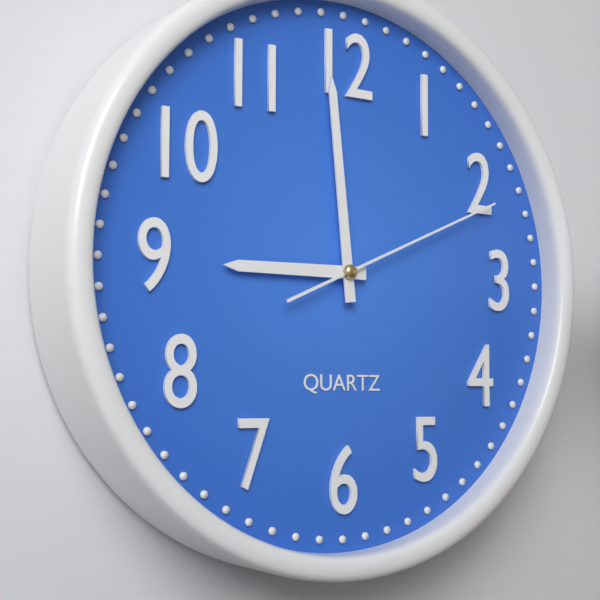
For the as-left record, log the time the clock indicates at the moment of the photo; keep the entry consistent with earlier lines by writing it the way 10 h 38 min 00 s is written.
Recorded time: 8 h 59 min 11 s
